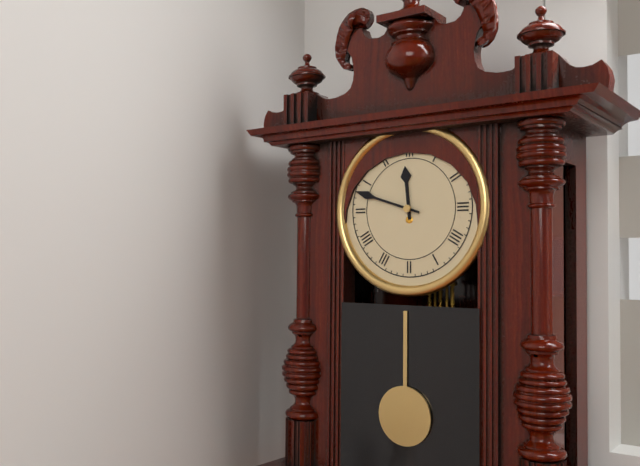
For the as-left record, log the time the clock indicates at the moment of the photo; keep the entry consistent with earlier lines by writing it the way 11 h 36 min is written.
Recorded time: 11 h 48 min
